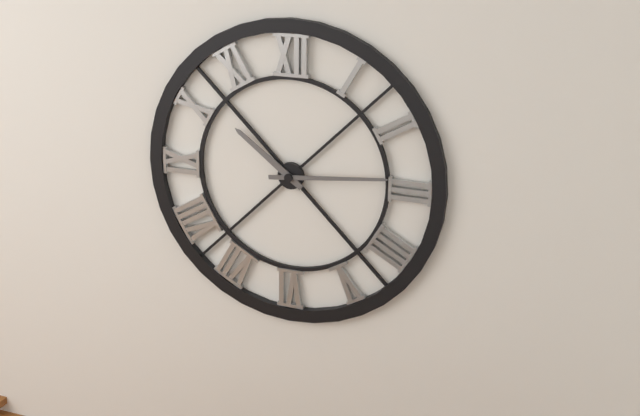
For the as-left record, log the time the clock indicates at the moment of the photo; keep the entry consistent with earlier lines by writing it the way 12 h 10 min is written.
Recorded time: 10 h 14 min
